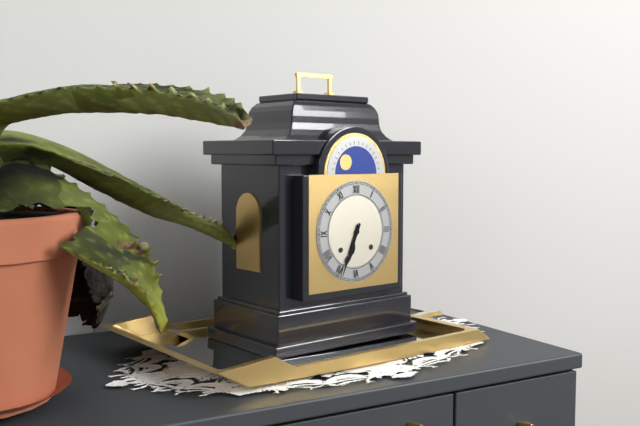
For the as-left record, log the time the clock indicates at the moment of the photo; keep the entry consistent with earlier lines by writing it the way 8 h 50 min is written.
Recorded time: 6 h 34 min
